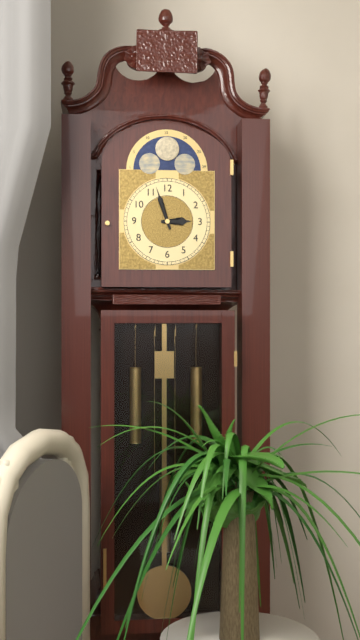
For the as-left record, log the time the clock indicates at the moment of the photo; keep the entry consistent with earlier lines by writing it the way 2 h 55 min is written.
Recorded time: 2 h 57 min
